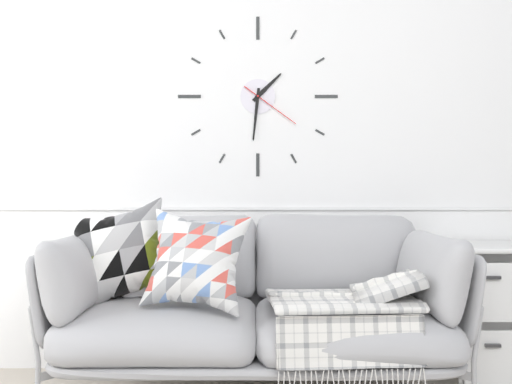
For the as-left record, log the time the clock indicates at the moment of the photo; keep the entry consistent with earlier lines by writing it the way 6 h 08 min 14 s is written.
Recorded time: 1 h 31 min 21 s
